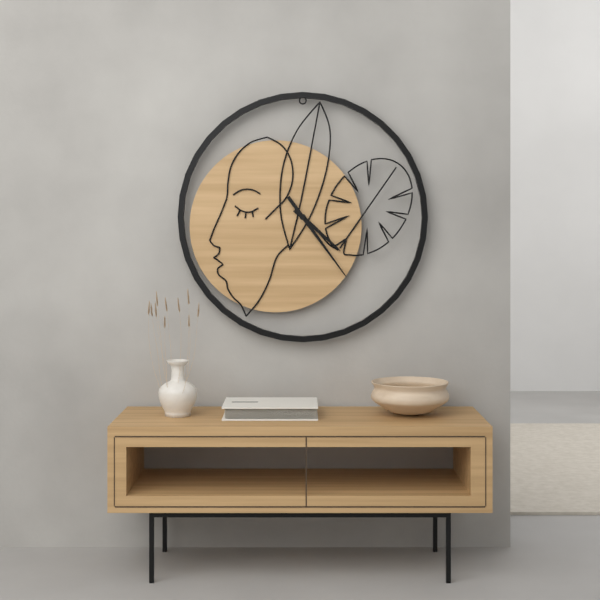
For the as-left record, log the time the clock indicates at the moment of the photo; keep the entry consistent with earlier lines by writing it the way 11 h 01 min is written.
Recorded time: 4 h 24 min
